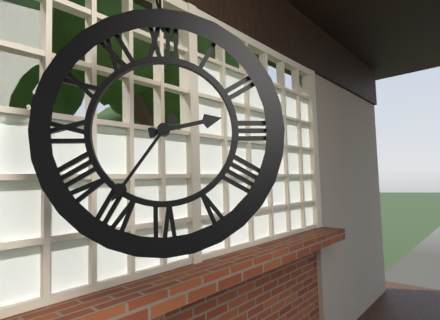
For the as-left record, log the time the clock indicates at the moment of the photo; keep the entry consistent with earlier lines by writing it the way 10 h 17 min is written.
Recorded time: 2 h 36 min
